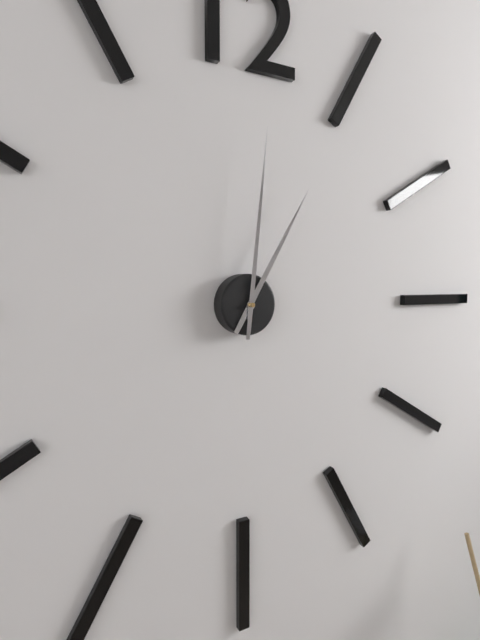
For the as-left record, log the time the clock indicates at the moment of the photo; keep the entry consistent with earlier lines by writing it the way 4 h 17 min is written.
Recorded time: 1 h 01 min
